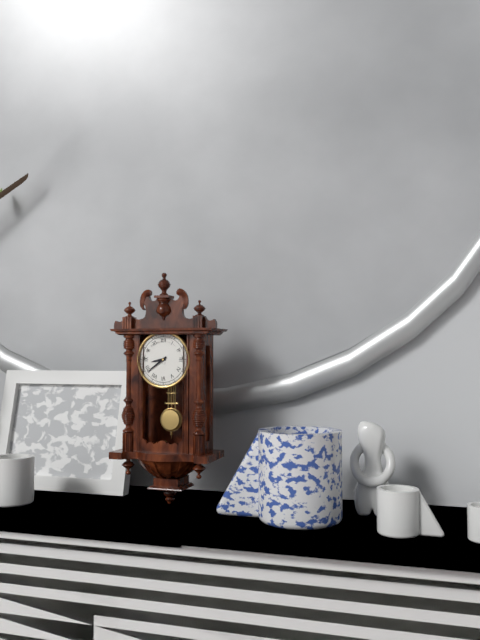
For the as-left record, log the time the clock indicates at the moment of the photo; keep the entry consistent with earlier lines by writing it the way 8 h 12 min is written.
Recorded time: 8 h 39 min
